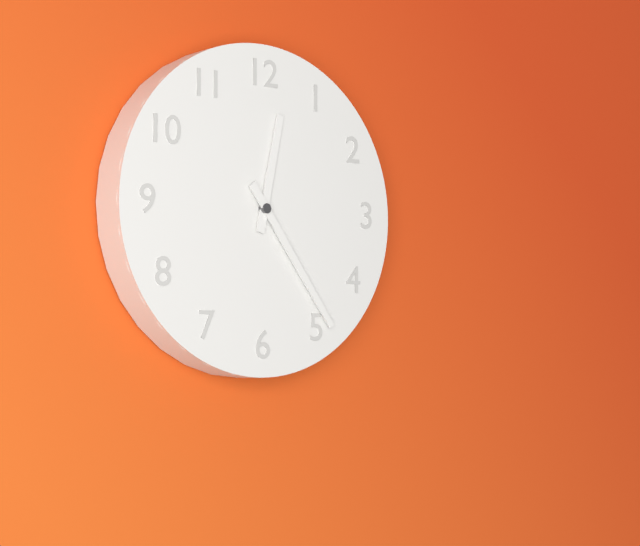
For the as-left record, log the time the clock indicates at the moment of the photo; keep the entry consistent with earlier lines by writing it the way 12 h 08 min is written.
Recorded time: 12 h 24 min
